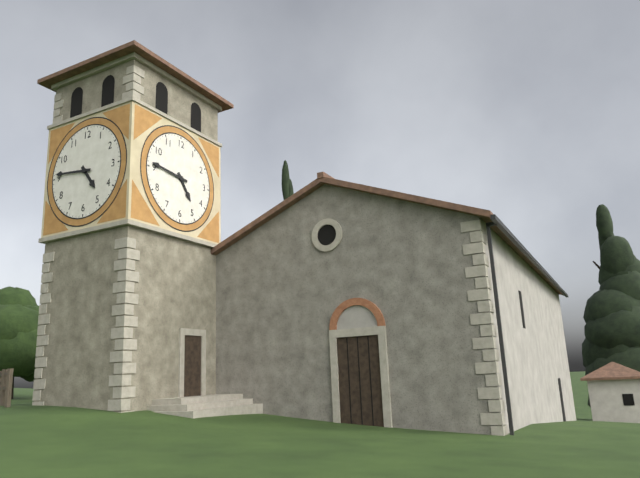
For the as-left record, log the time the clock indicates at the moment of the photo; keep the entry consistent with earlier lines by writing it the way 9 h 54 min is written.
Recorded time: 4 h 46 min
